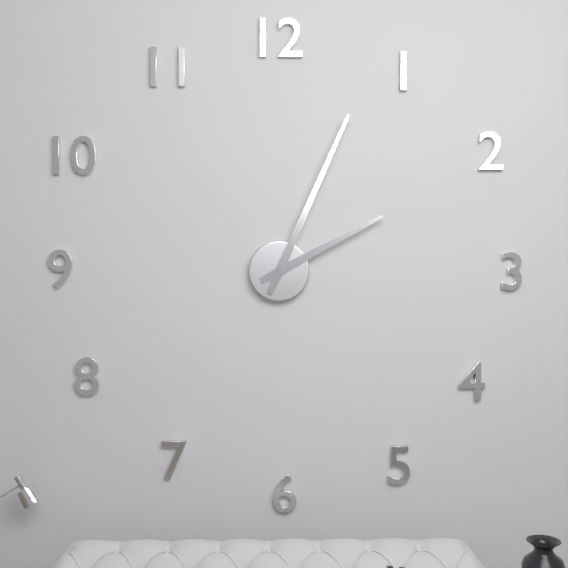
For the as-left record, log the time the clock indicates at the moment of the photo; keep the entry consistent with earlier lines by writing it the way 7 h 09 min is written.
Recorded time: 2 h 04 min
